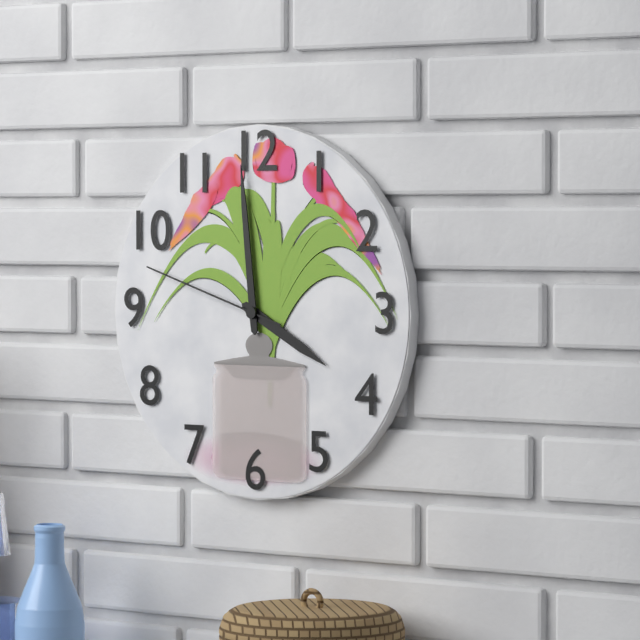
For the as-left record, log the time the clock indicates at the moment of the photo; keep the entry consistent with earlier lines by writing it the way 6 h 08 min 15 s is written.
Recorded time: 3 h 59 min 48 s
